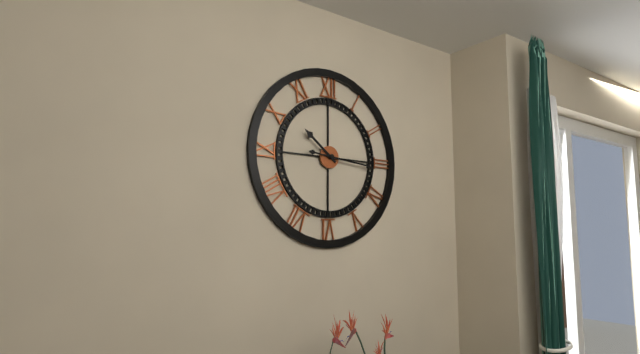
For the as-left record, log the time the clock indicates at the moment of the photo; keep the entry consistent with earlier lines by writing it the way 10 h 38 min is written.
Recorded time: 10 h 16 min
